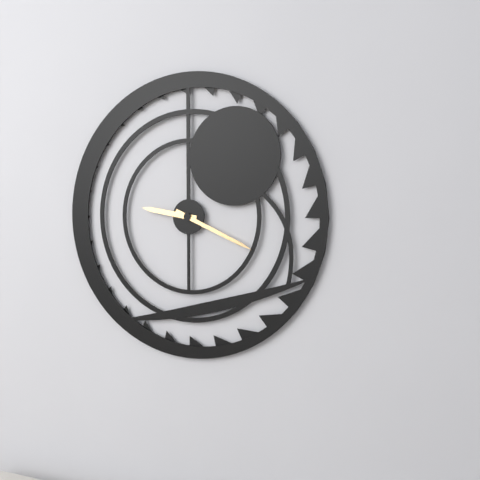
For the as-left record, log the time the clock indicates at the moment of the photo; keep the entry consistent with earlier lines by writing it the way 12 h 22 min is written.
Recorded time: 9 h 19 min
